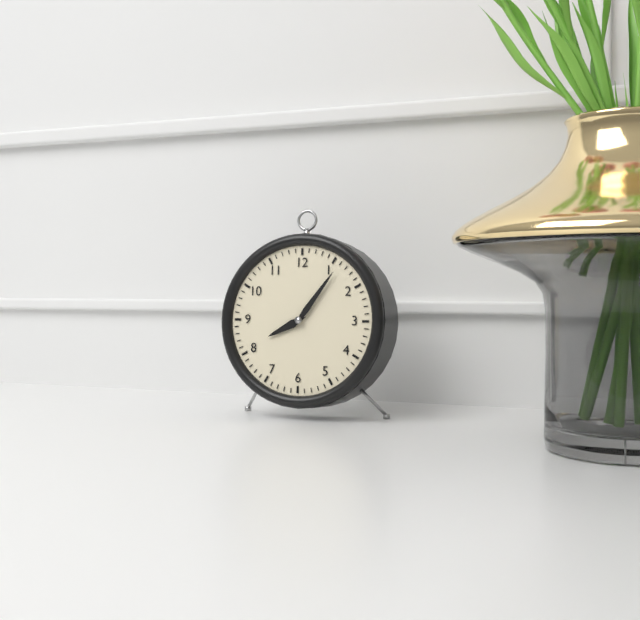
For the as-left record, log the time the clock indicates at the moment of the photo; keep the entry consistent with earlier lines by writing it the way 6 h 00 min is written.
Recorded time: 8 h 06 min
